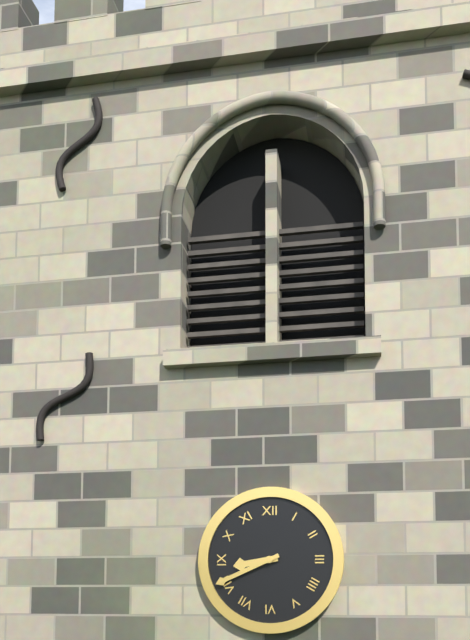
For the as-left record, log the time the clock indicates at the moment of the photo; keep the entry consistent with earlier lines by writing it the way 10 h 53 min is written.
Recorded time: 8 h 41 min
